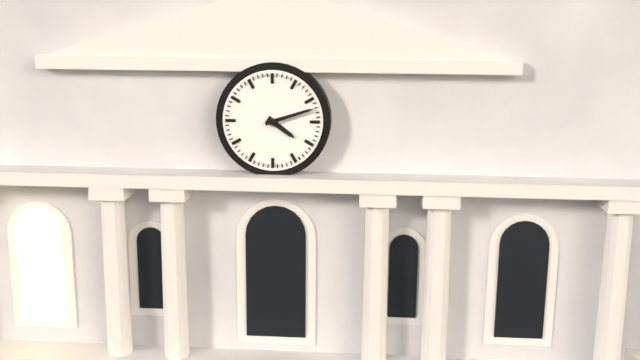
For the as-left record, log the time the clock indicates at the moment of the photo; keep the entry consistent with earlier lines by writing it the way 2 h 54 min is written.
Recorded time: 4 h 12 min
